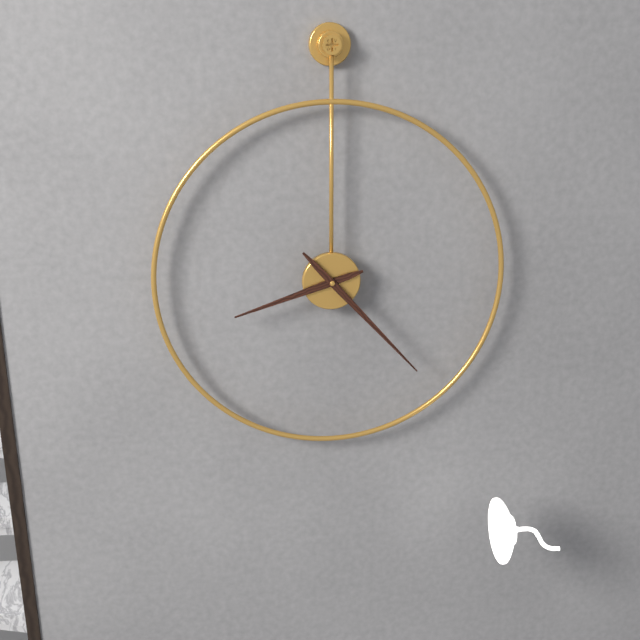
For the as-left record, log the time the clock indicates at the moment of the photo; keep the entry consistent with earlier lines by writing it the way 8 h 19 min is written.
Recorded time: 8 h 23 min
